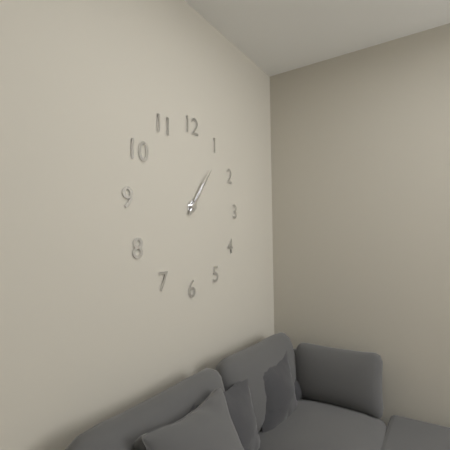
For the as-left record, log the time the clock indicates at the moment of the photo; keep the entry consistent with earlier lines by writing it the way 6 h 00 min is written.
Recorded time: 1 h 06 min
